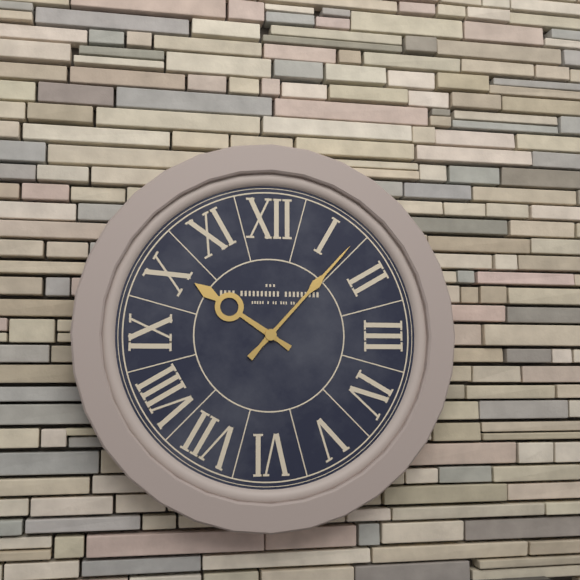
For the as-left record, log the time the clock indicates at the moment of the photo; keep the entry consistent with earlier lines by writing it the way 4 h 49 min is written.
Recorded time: 10 h 07 min
